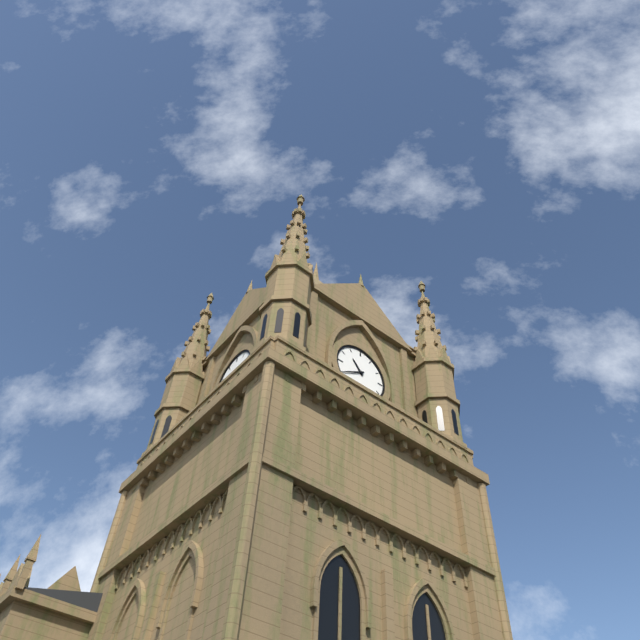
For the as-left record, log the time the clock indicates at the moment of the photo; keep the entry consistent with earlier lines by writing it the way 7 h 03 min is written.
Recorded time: 10 h 40 min
